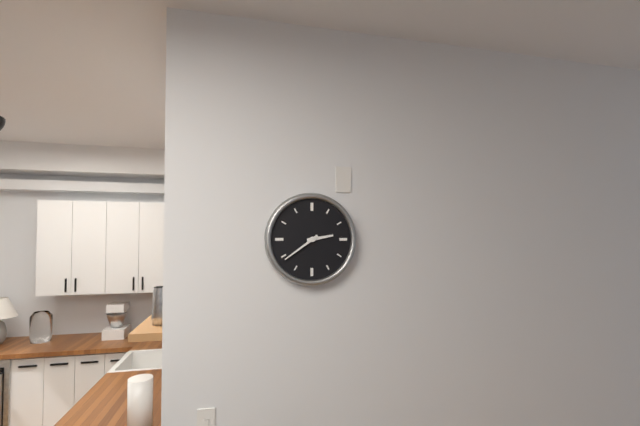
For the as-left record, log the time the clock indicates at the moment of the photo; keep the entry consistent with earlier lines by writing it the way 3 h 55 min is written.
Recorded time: 2 h 39 min
